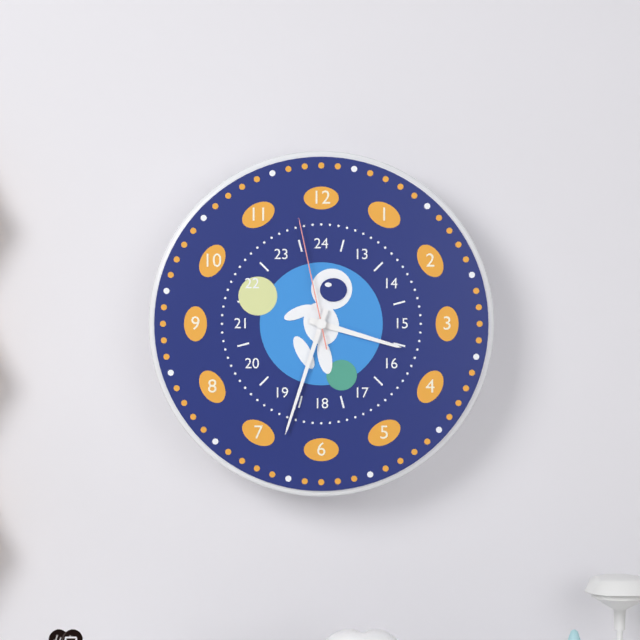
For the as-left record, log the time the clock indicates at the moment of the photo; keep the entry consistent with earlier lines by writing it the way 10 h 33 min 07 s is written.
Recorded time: 3 h 33 min 58 s
